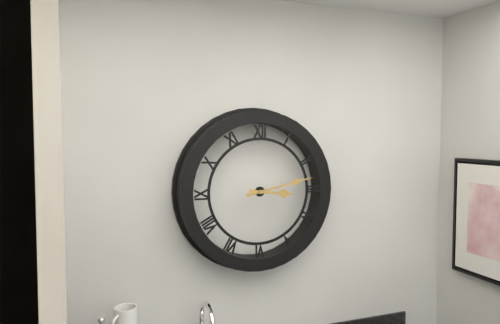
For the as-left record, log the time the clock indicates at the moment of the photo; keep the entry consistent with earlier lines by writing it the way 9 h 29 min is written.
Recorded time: 3 h 13 min
